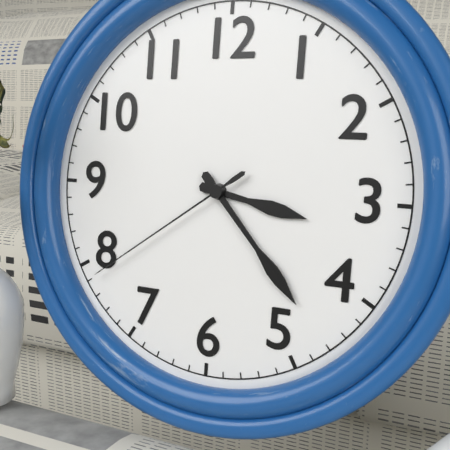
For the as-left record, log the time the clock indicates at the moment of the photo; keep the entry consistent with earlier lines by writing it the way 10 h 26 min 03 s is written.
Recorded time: 3 h 23 min 39 s
